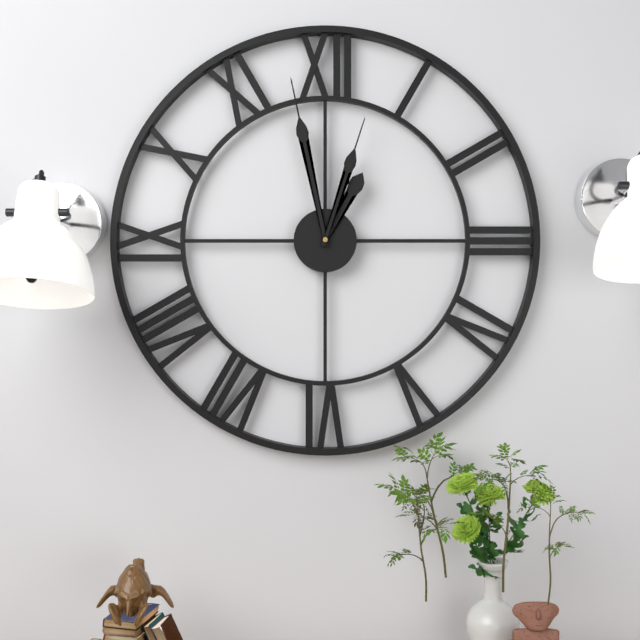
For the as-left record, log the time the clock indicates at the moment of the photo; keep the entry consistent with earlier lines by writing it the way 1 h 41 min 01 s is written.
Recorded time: 12 h 58 min 03 s
